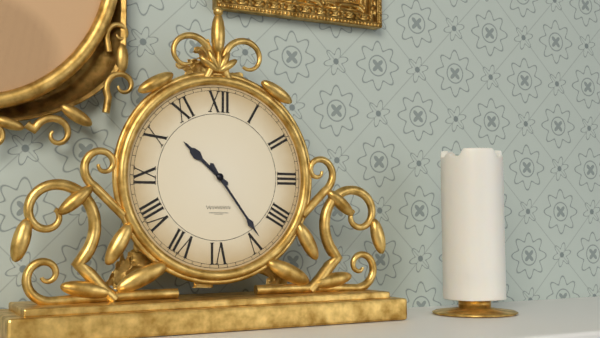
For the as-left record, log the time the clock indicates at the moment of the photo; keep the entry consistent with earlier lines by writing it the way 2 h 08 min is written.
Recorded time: 10 h 24 min
